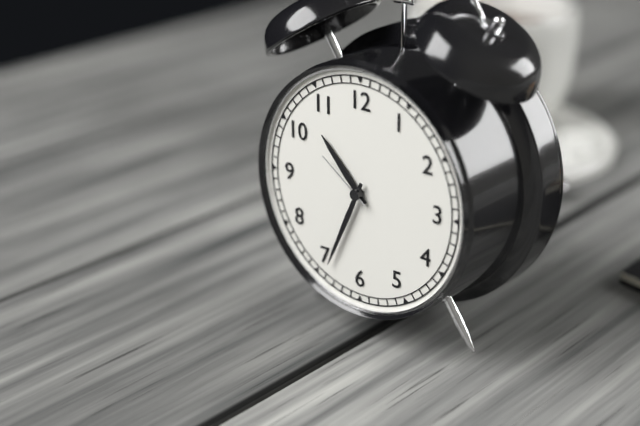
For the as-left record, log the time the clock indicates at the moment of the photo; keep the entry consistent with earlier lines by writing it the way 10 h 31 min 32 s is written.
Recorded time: 10 h 34 min 51 s
